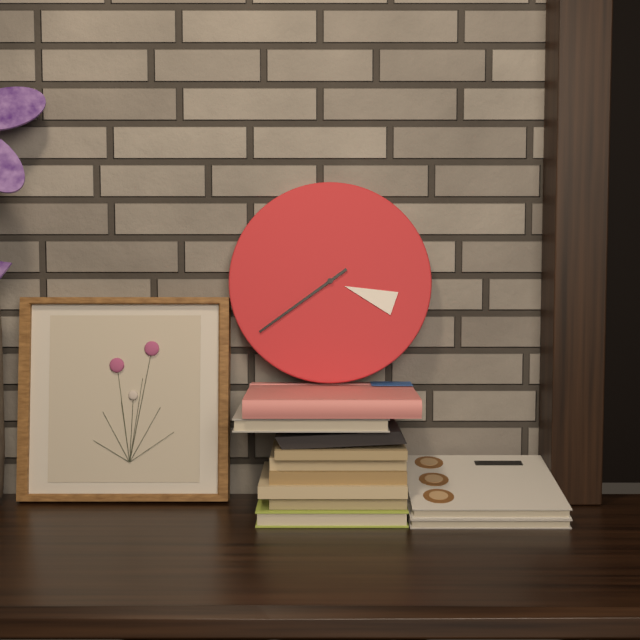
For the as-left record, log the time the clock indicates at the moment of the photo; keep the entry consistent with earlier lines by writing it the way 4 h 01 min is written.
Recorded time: 3 h 39 min
